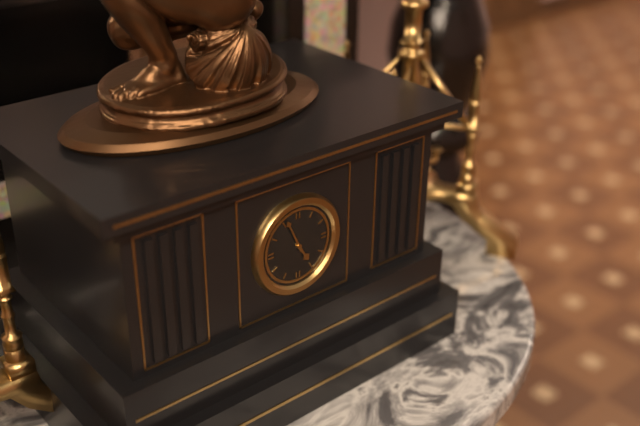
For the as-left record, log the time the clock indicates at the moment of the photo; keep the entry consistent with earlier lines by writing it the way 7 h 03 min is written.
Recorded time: 4 h 56 min
